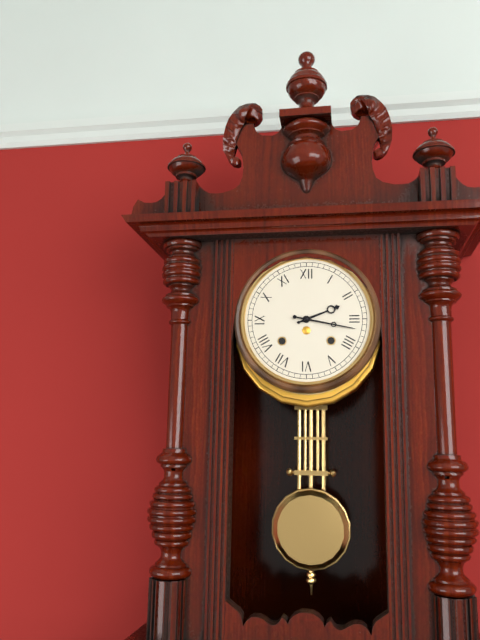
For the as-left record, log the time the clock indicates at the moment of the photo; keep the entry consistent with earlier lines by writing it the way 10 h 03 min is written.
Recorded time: 2 h 17 min
